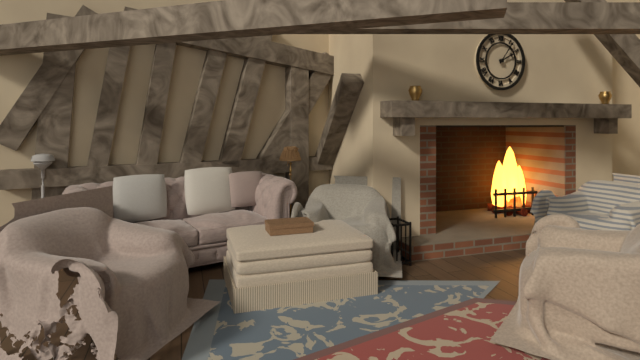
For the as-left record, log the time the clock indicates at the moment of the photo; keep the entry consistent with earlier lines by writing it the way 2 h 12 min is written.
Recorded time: 2 h 06 min
